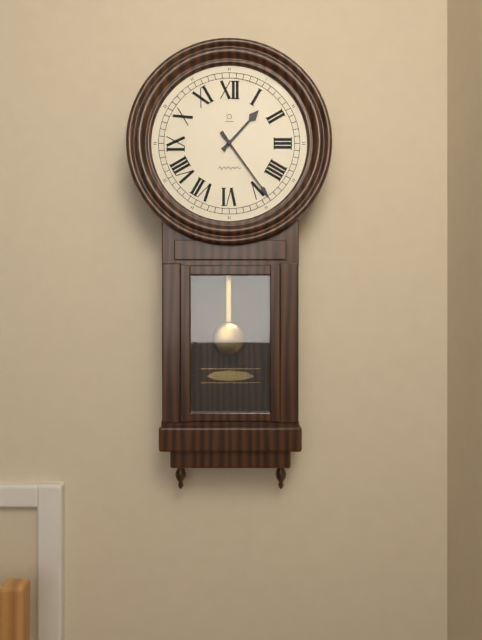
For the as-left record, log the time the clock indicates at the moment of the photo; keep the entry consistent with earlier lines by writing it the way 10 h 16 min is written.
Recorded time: 1 h 24 min
